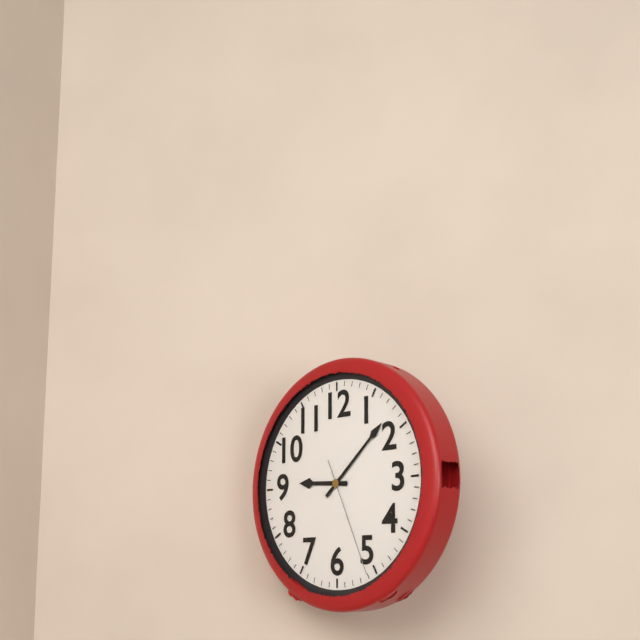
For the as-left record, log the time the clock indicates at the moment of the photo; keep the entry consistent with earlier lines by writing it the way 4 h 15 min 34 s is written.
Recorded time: 9 h 08 min 26 s
